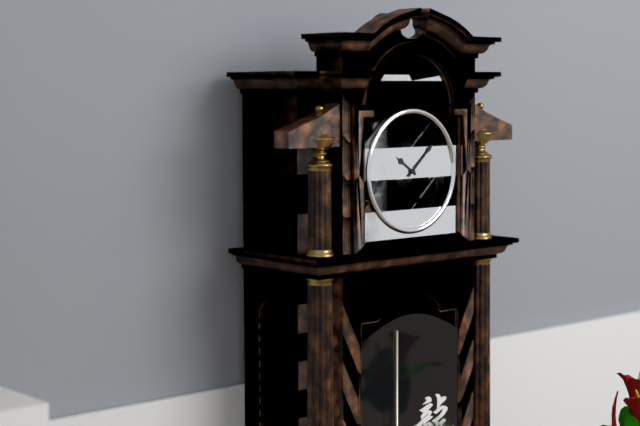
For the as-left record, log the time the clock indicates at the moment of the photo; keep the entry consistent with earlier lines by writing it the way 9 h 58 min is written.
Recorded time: 10 h 08 min
